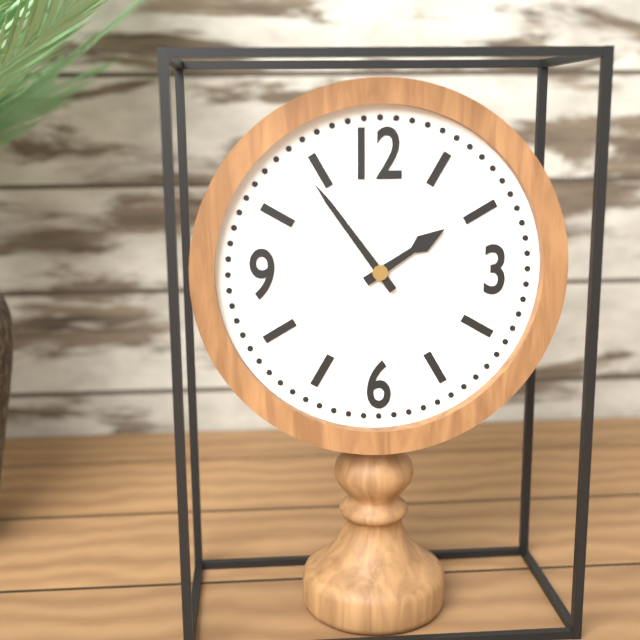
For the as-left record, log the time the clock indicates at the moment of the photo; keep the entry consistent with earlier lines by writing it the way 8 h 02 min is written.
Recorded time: 1 h 54 min
